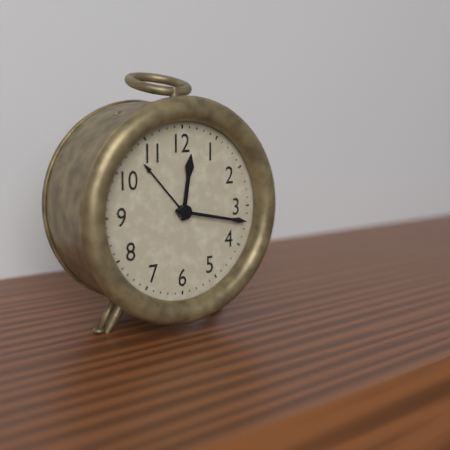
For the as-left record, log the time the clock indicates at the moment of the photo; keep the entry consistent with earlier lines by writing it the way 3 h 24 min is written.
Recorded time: 12 h 17 min
